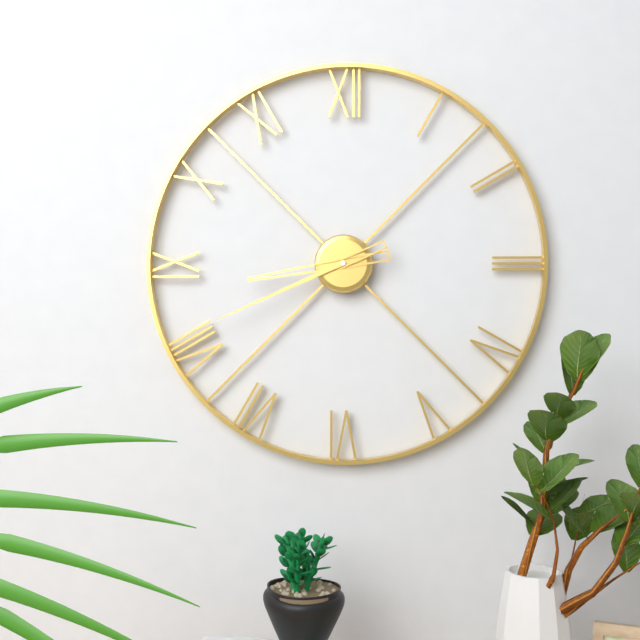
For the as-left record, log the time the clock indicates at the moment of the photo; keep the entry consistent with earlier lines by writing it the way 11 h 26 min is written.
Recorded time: 8 h 41 min
